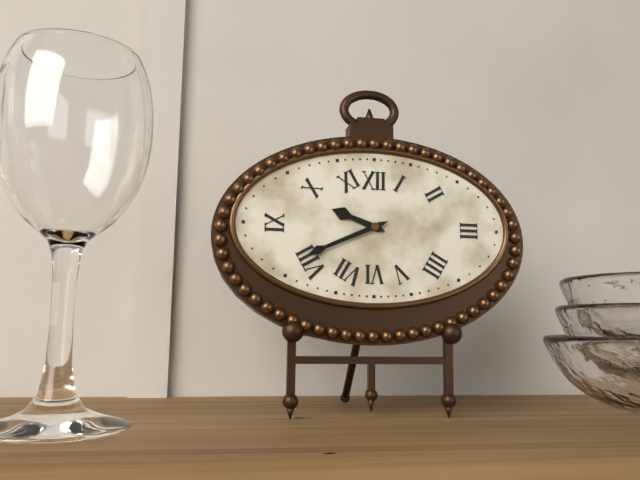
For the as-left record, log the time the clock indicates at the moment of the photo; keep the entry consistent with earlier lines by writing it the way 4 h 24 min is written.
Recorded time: 9 h 41 min
